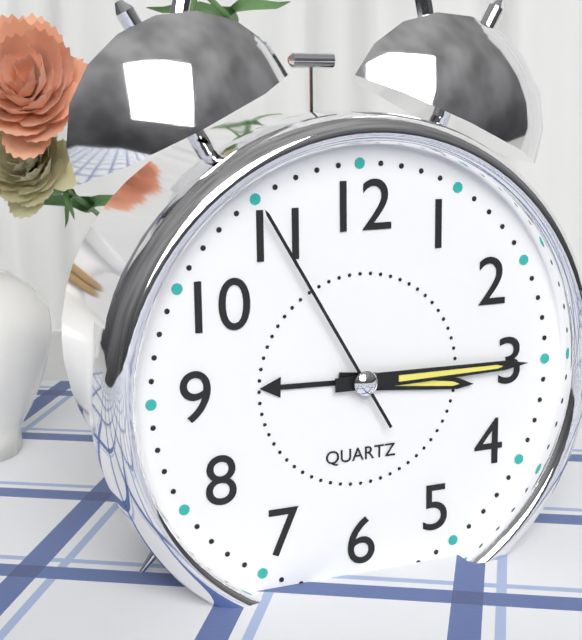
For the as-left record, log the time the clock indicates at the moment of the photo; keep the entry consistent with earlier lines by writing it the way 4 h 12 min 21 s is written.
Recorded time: 3 h 15 min 55 s
